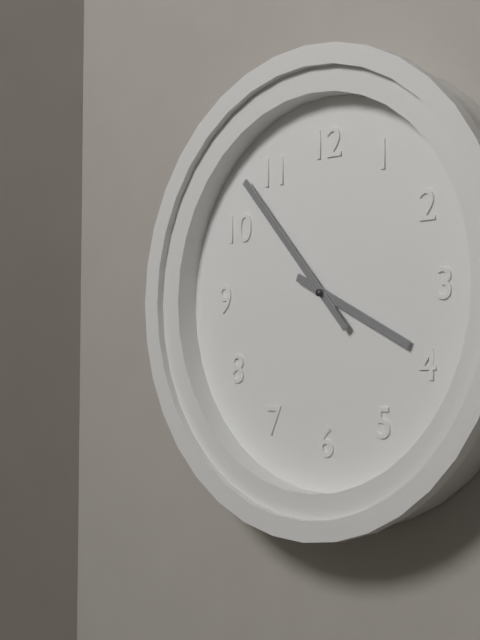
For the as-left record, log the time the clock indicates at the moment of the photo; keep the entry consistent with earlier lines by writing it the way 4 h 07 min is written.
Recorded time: 3 h 53 min
